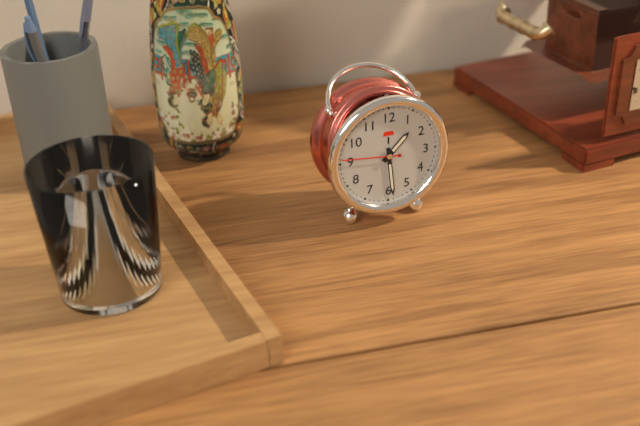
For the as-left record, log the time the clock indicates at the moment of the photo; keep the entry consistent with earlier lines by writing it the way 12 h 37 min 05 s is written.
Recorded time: 1 h 29 min 46 s
